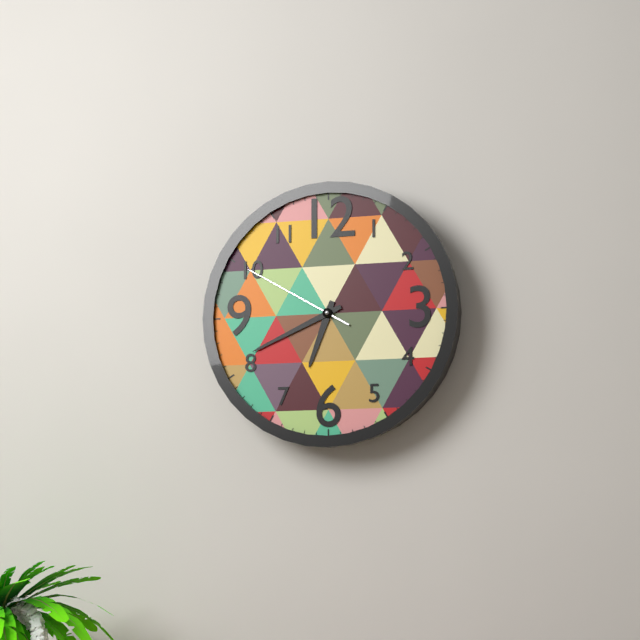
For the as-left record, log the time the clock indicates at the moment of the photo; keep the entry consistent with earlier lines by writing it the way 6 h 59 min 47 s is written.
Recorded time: 6 h 41 min 50 s
